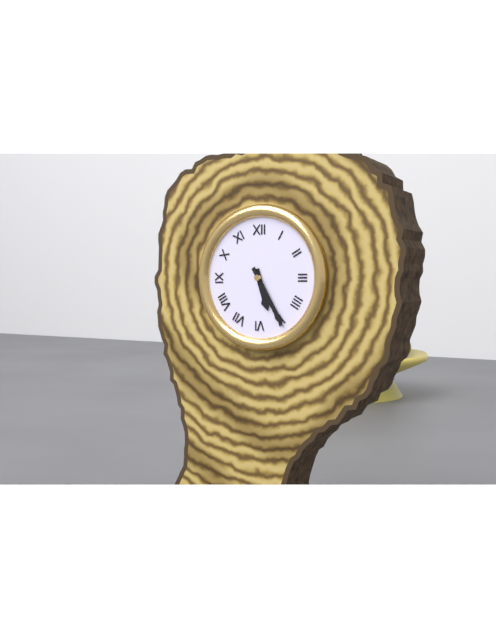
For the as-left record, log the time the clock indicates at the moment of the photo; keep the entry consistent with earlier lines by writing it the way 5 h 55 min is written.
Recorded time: 5 h 25 min
